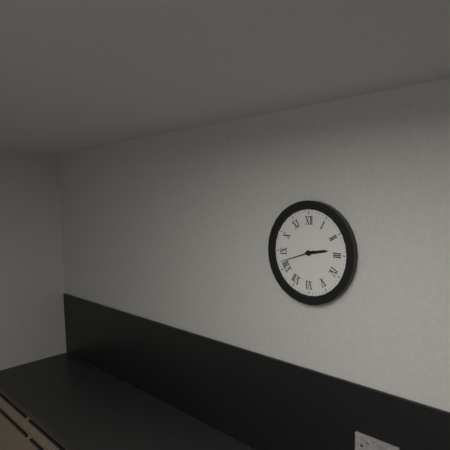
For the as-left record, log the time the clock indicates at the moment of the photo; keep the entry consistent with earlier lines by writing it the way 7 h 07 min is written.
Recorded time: 2 h 42 min
